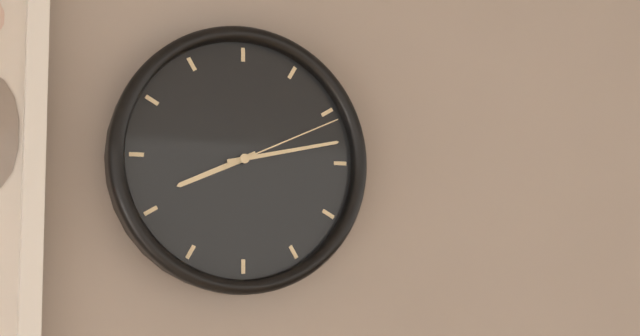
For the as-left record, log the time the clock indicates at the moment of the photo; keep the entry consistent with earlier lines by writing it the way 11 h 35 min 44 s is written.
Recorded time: 8 h 13 min 11 s
